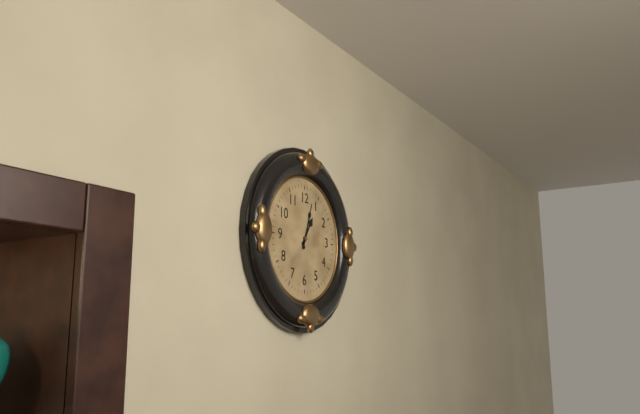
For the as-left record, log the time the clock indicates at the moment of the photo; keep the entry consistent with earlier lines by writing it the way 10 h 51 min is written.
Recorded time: 1 h 03 min
